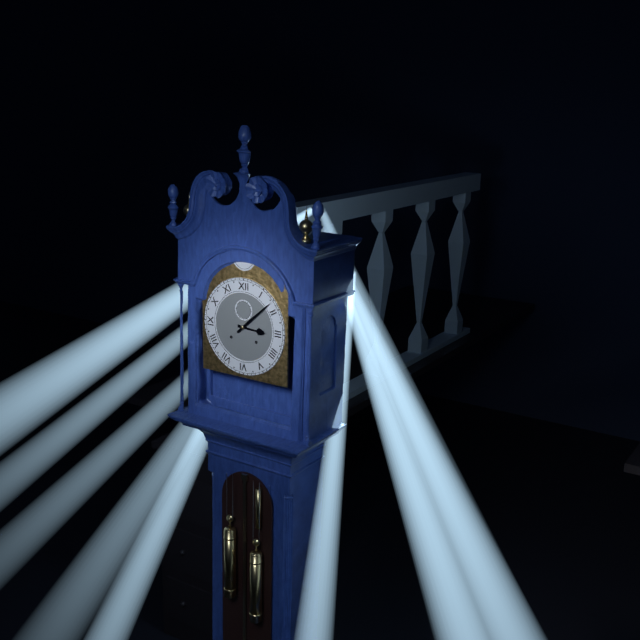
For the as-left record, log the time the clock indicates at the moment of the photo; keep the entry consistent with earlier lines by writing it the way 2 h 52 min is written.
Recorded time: 3 h 08 min
